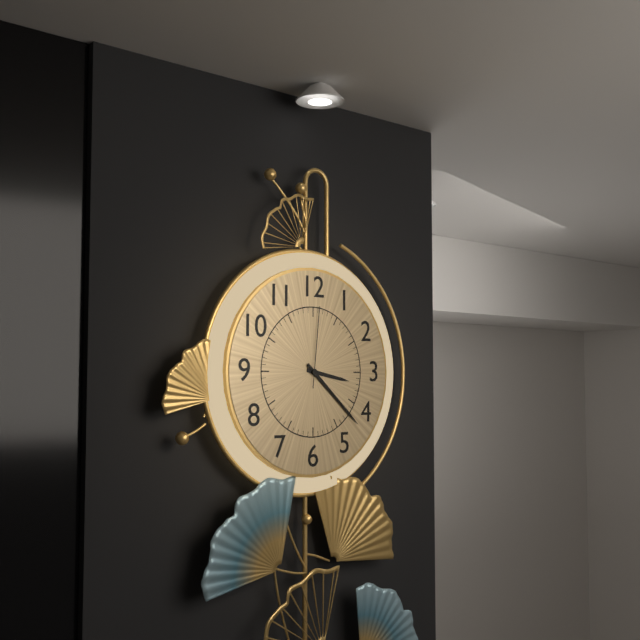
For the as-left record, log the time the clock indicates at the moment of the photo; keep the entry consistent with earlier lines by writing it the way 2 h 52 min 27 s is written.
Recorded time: 3 h 22 min 01 s
